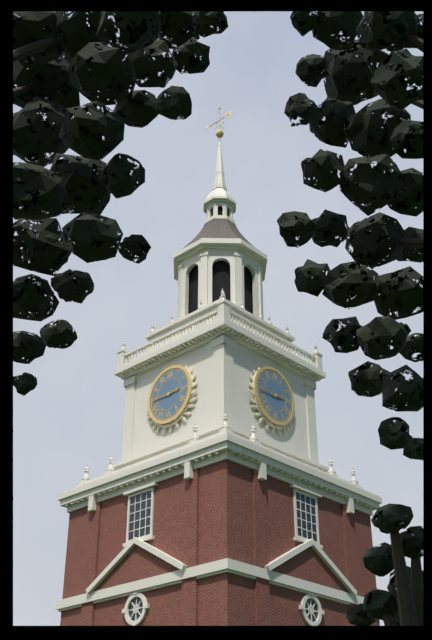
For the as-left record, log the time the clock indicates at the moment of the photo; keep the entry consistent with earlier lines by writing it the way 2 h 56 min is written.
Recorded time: 2 h 45 min
